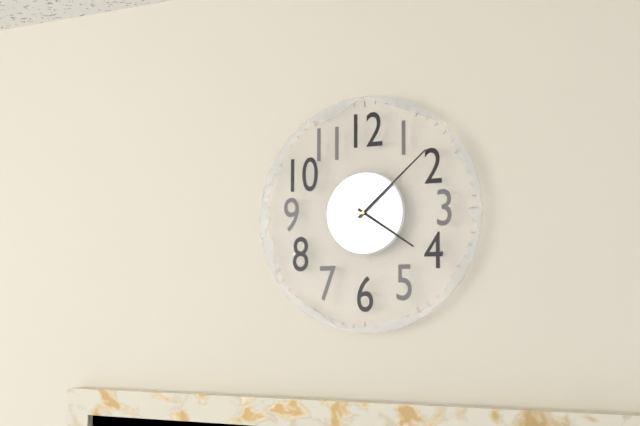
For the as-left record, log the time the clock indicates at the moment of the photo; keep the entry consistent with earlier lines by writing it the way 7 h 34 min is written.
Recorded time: 4 h 08 min
